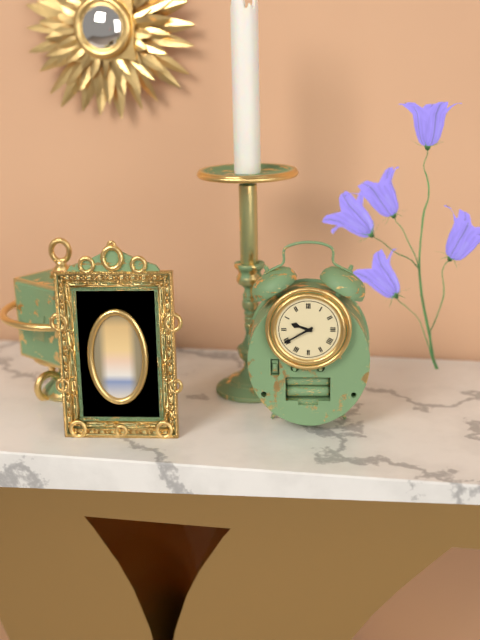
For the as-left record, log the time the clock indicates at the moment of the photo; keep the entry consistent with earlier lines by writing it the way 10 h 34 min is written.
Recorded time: 9 h 40 min
